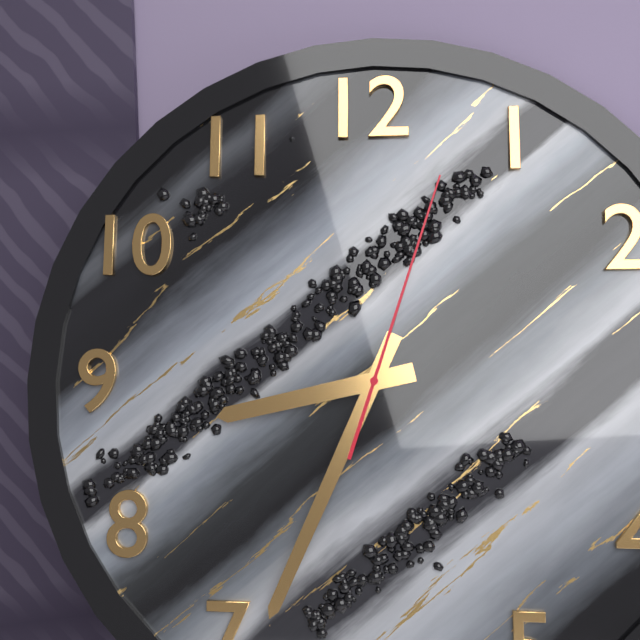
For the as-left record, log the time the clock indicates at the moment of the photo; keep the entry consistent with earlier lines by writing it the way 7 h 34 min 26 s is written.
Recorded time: 8 h 34 min 03 s
